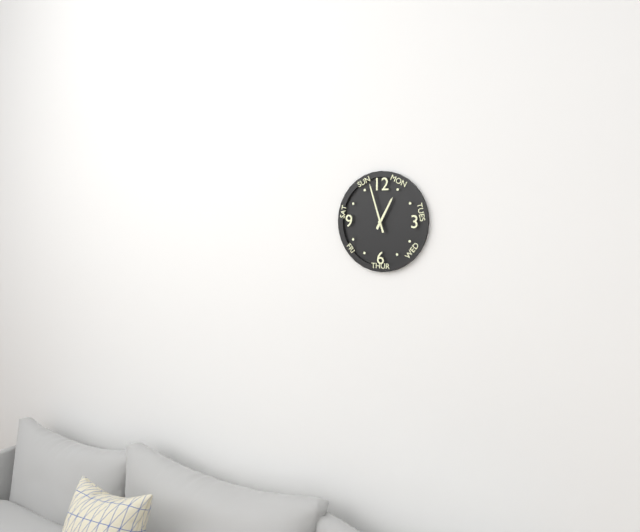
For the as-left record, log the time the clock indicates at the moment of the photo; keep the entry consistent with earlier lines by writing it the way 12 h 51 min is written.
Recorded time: 12 h 57 min
